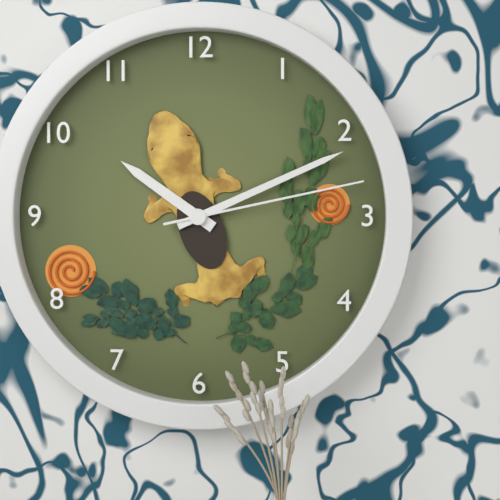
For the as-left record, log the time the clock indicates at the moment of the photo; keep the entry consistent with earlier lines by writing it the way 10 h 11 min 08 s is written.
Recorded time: 10 h 11 min 13 s
